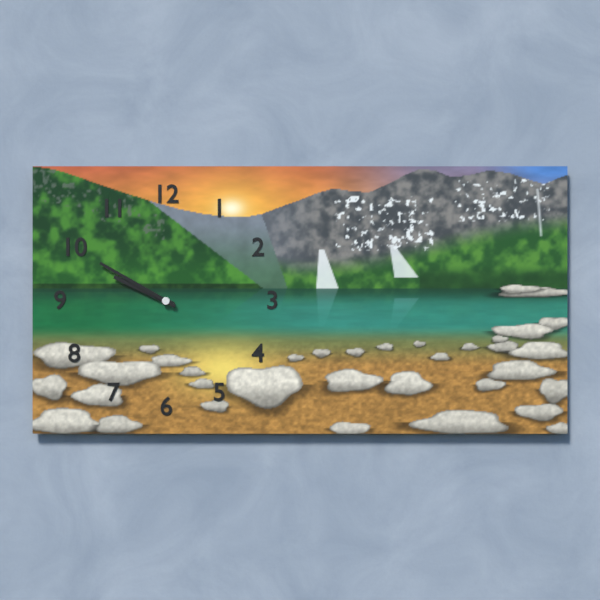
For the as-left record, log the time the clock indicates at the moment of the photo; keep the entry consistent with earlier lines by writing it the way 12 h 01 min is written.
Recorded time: 9 h 50 min
